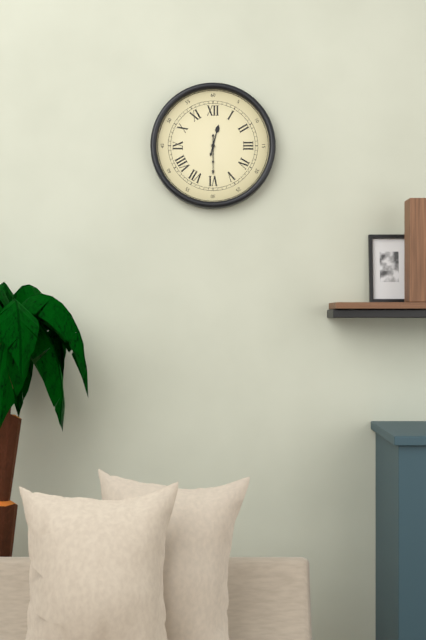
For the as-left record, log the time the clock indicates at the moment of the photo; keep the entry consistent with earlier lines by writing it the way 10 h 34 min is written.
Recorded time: 12 h 30 min
